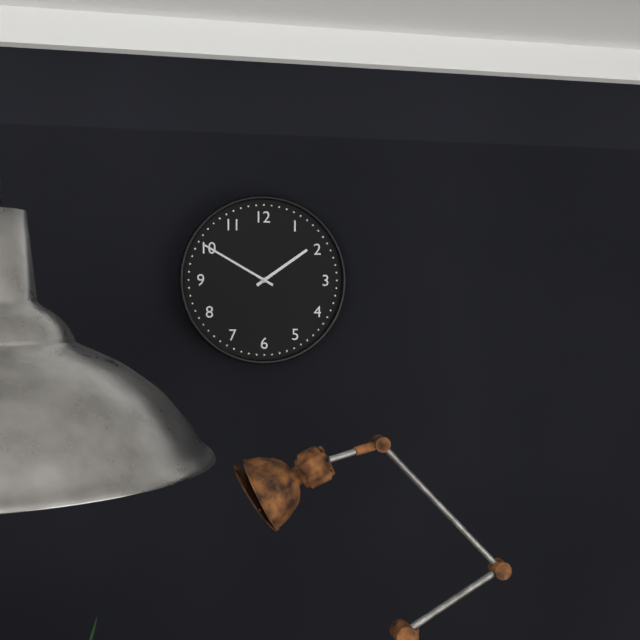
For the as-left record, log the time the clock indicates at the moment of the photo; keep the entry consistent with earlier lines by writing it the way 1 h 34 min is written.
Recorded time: 1 h 50 min
